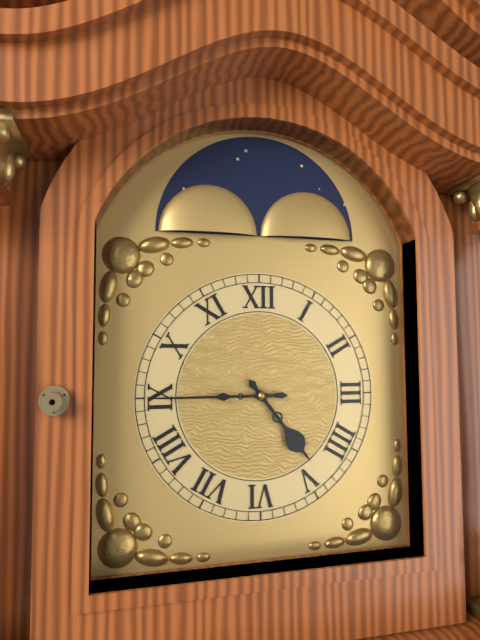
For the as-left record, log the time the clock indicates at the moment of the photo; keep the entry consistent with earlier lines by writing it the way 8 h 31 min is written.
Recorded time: 4 h 45 min
